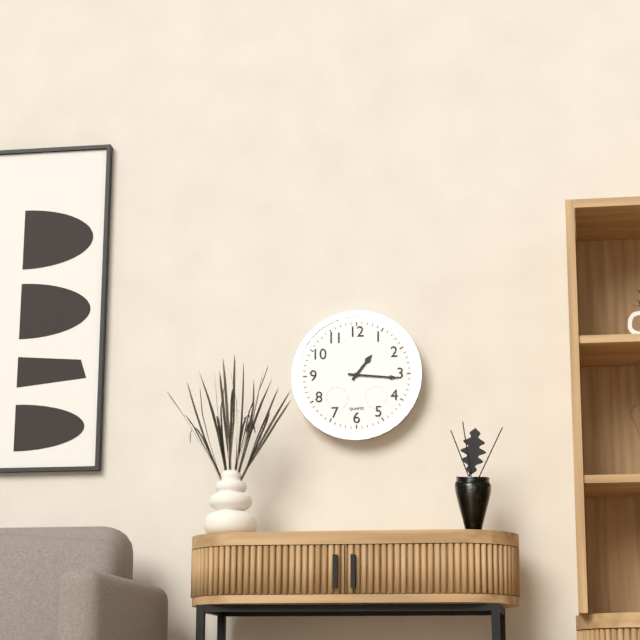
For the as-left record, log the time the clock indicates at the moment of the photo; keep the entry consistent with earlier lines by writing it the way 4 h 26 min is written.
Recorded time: 1 h 16 min
